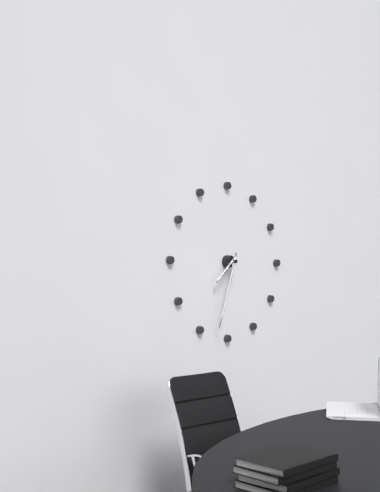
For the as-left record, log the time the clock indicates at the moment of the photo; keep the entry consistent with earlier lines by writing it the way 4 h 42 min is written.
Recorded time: 7 h 33 min
